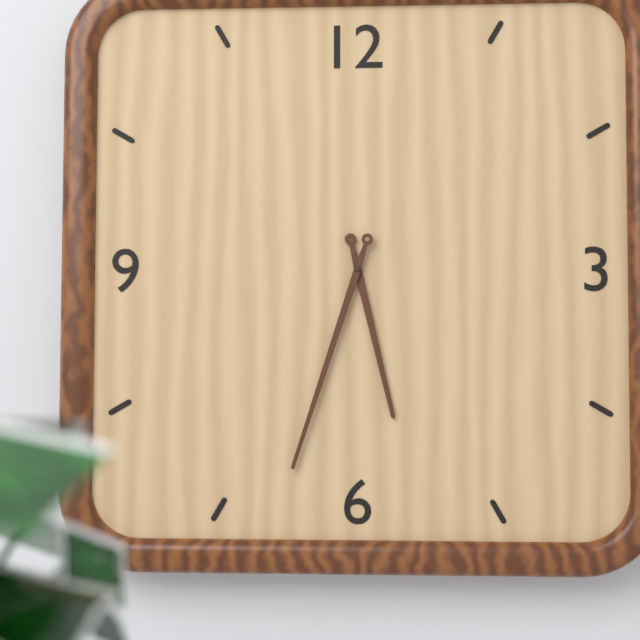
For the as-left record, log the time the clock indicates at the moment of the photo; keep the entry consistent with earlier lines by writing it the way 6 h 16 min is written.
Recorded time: 5 h 33 min
